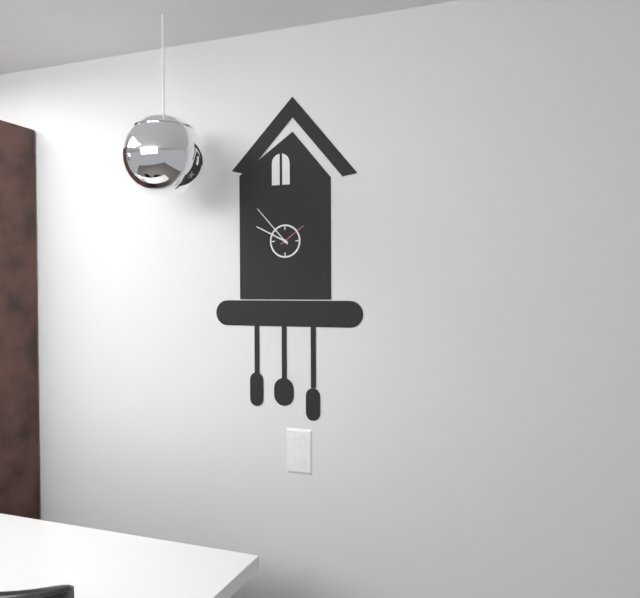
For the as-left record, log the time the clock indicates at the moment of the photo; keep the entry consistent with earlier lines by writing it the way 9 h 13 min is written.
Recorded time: 9 h 53 min
